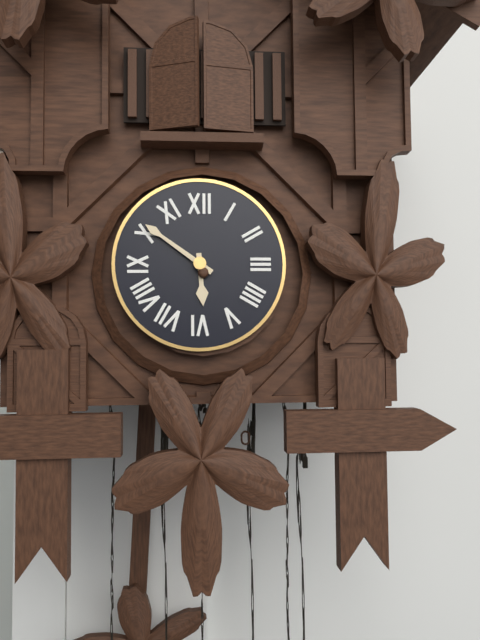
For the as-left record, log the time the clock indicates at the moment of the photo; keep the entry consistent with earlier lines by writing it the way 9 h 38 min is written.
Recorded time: 5 h 51 min
